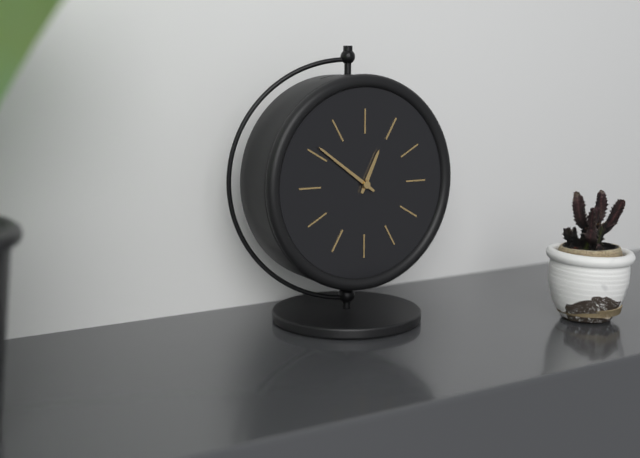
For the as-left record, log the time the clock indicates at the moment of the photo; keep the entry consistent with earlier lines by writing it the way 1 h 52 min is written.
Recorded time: 12 h 51 min
